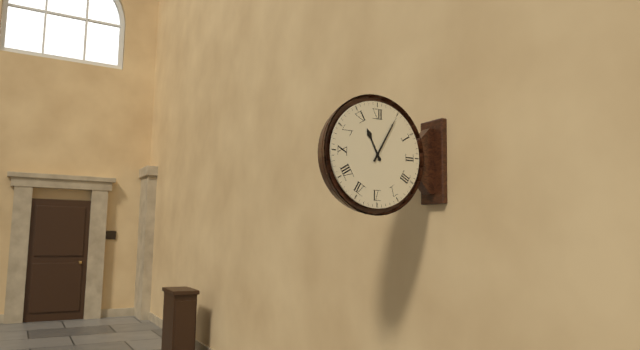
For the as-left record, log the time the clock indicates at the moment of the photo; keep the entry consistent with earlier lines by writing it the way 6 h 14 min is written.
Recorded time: 11 h 05 min
